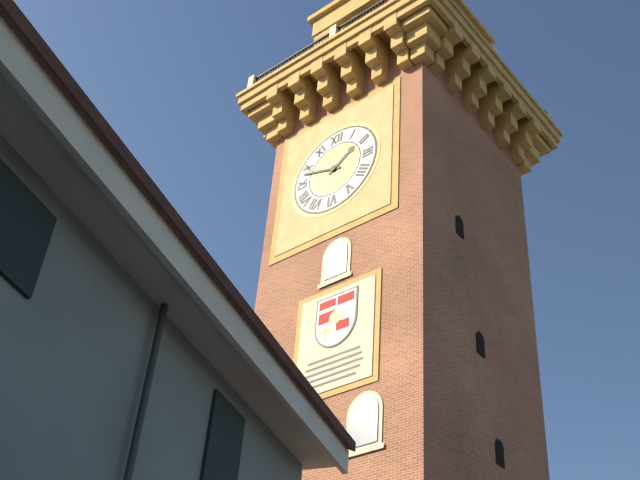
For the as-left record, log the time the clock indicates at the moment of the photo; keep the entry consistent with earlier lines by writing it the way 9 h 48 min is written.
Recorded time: 1 h 48 min
